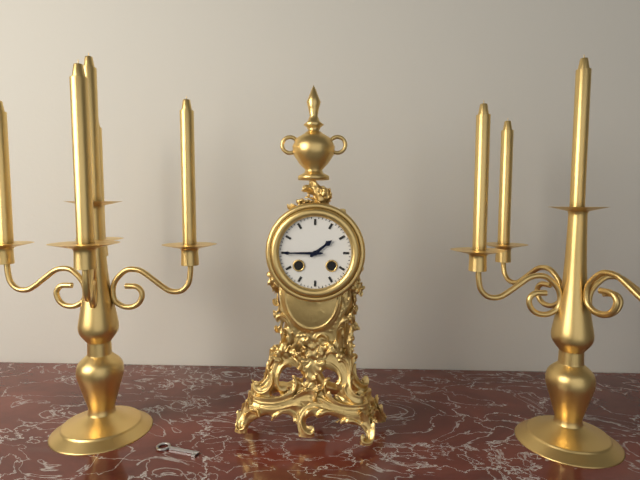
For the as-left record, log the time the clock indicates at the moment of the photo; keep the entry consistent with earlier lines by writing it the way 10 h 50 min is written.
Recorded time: 1 h 45 min
